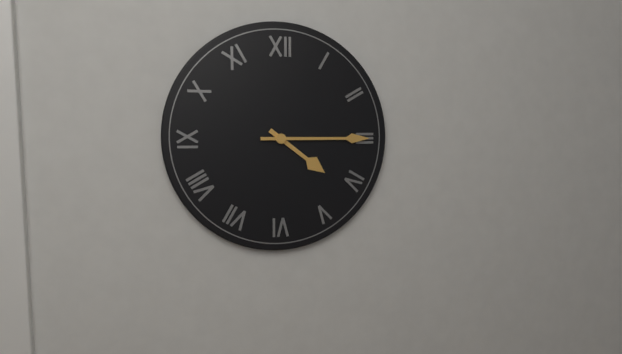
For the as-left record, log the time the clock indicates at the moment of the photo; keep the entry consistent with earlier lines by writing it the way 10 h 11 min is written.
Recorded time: 4 h 15 min
